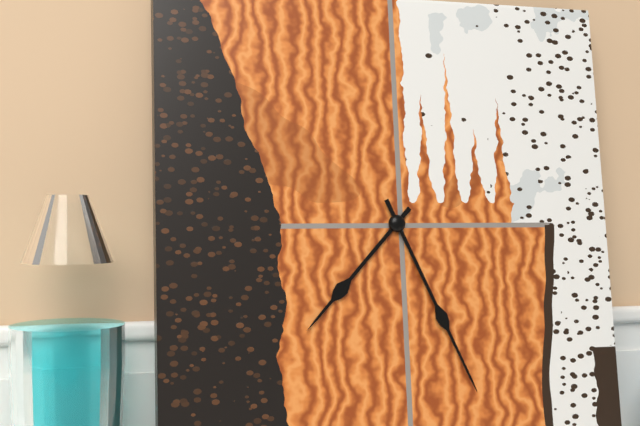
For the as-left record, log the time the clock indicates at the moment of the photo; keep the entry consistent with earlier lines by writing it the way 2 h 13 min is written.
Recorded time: 7 h 26 min
